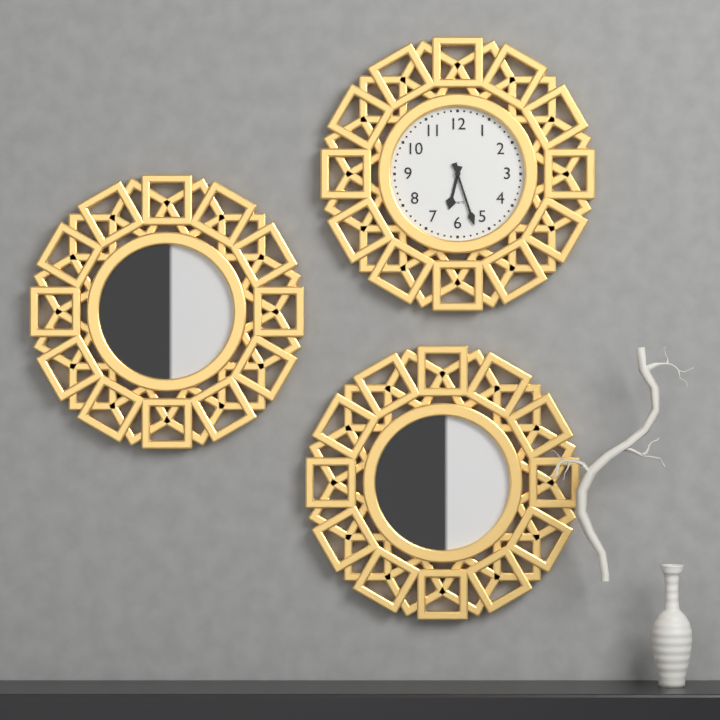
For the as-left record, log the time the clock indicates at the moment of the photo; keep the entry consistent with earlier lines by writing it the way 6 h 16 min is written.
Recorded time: 6 h 27 min
